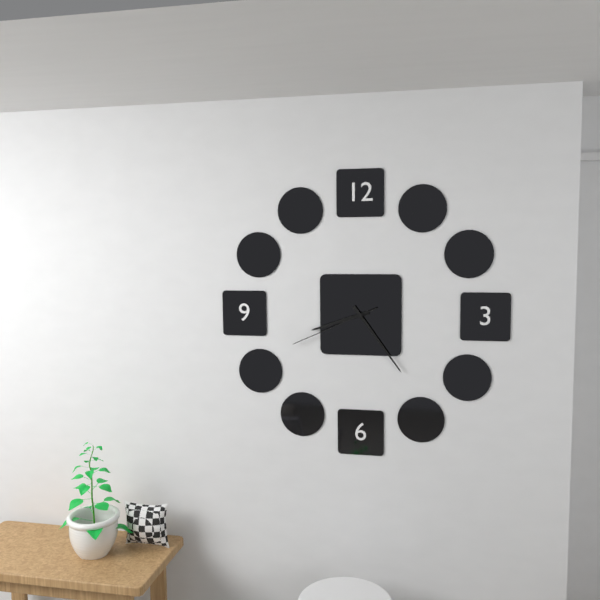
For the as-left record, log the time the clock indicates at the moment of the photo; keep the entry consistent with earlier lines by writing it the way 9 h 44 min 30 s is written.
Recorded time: 8 h 24 min 41 s
